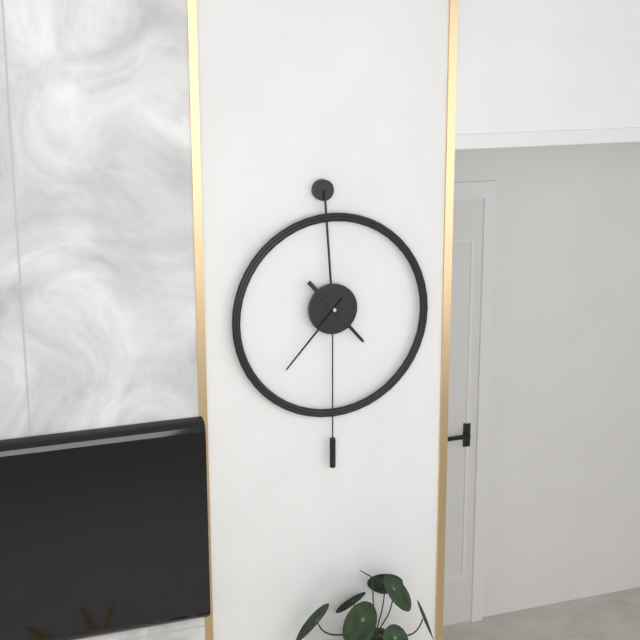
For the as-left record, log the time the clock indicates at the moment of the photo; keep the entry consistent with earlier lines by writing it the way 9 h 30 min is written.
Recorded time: 4 h 37 min
